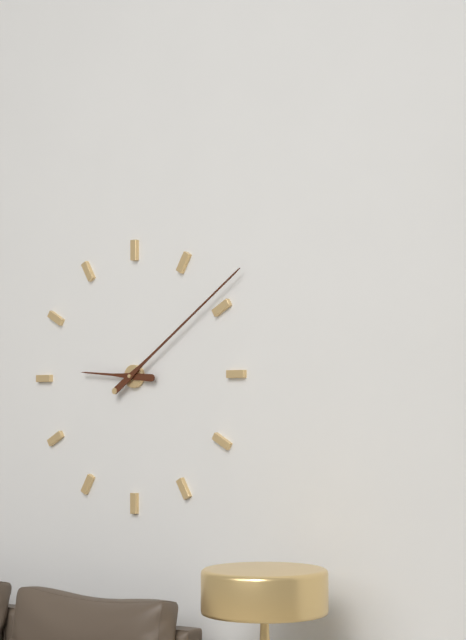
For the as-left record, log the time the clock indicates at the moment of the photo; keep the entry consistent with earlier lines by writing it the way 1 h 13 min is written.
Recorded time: 9 h 09 min
